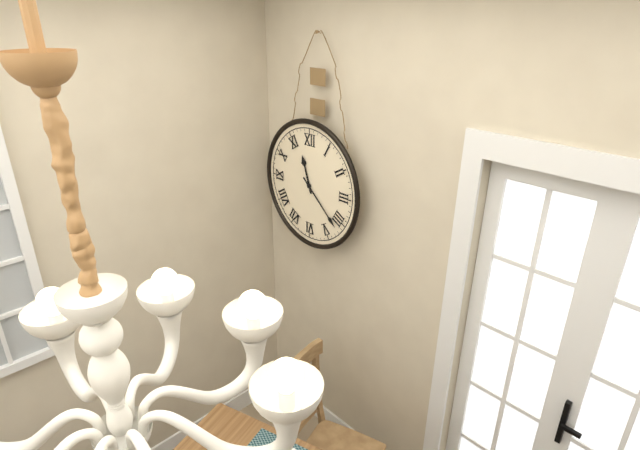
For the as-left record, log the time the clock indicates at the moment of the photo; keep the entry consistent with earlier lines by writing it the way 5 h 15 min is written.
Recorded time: 11 h 22 min
